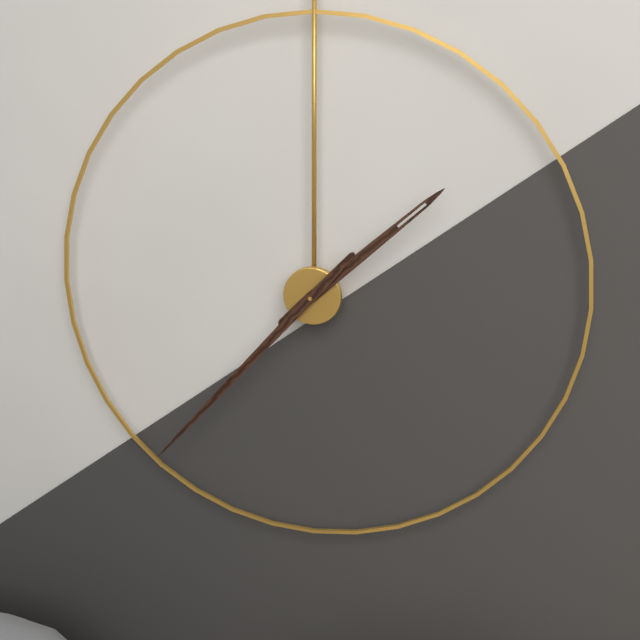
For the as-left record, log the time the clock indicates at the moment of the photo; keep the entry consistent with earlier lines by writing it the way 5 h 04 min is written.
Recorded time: 1 h 37 min
